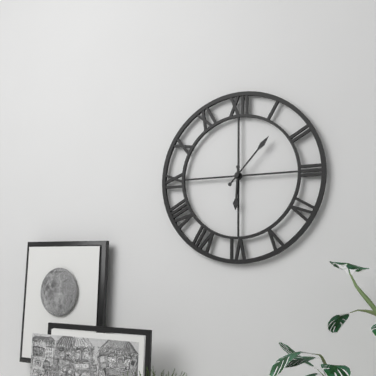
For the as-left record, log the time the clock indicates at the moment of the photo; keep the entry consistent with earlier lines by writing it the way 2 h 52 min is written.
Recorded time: 6 h 07 min
